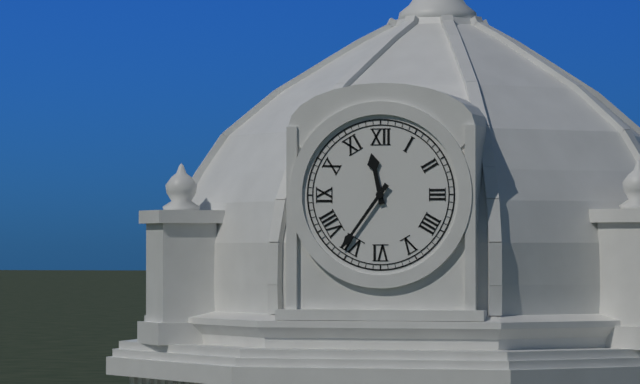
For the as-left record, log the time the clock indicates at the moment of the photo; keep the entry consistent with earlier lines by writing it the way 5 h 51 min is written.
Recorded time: 11 h 36 min
